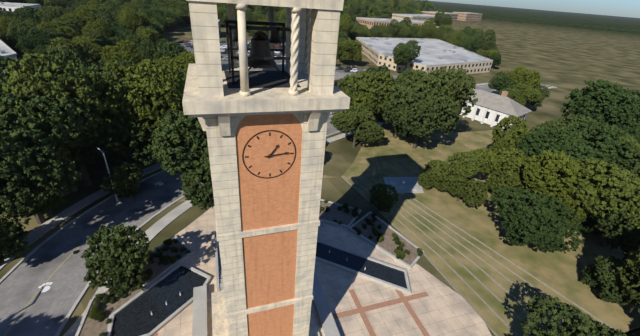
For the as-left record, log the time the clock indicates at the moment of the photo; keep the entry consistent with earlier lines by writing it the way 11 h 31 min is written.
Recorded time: 1 h 14 min
